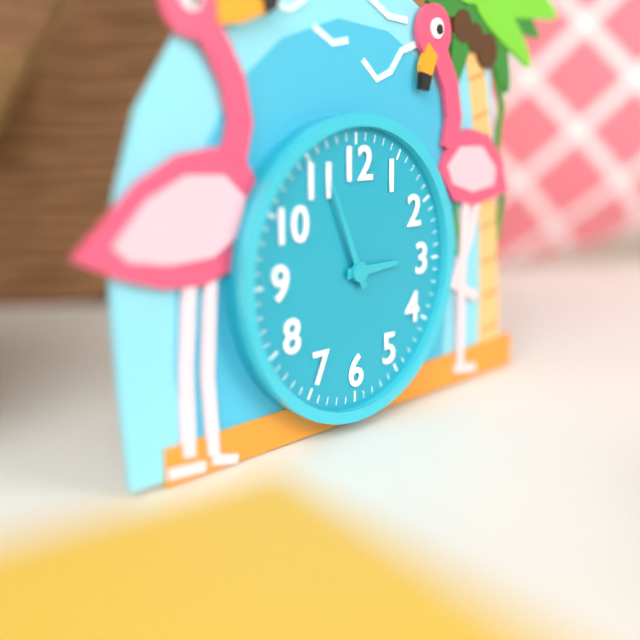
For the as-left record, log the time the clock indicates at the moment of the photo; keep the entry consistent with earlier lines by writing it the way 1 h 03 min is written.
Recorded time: 2 h 56 min
